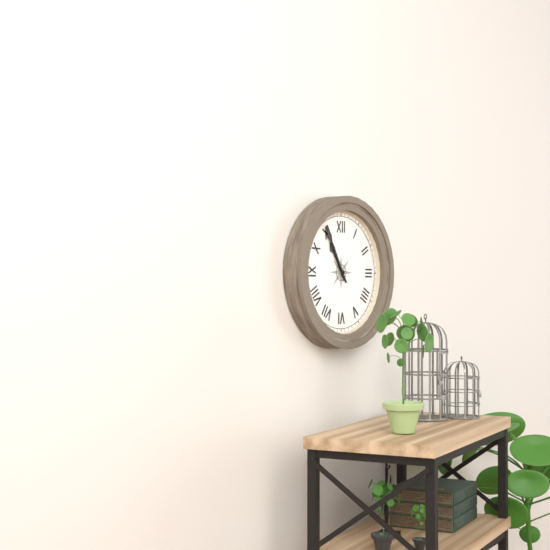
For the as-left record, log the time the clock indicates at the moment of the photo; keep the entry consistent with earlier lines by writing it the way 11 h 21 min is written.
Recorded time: 10 h 55 min
